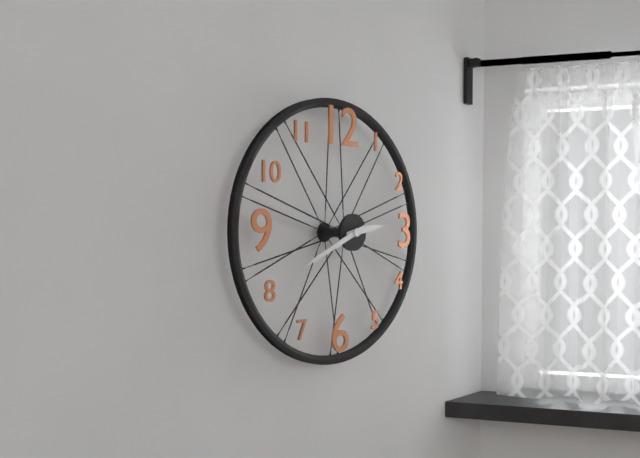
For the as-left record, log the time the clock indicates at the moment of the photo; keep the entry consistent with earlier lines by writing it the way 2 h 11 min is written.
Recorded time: 2 h 41 min
